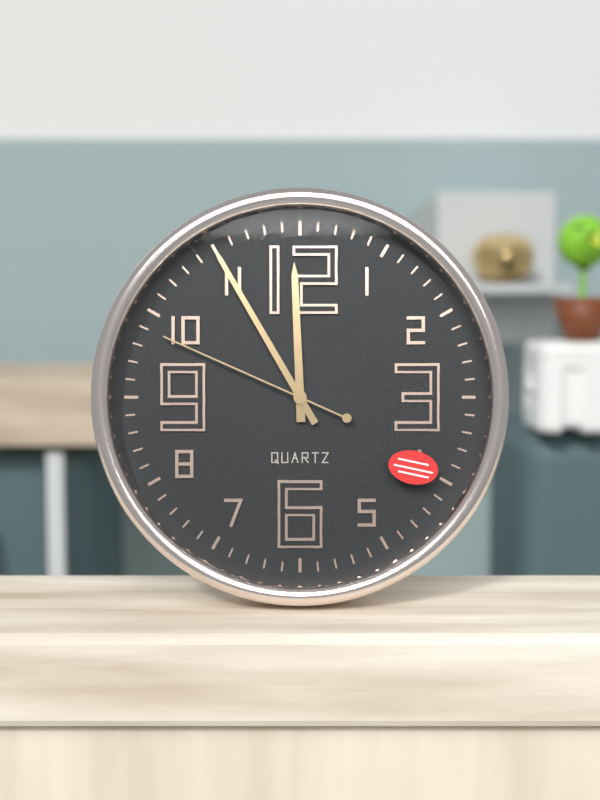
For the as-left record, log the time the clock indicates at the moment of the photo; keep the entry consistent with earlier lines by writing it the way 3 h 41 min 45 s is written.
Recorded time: 11 h 55 min 49 s
